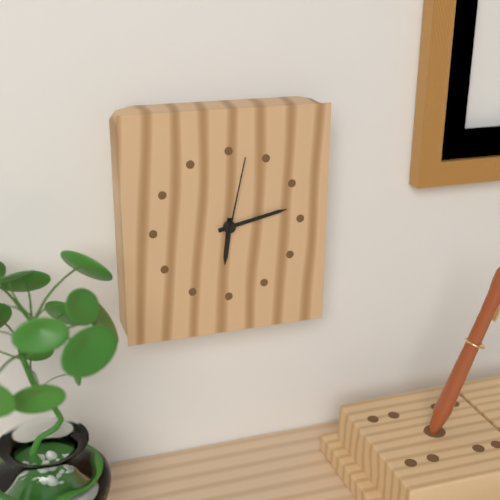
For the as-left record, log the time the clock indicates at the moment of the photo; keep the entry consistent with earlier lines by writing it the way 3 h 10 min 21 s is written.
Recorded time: 6 h 13 min 02 s
